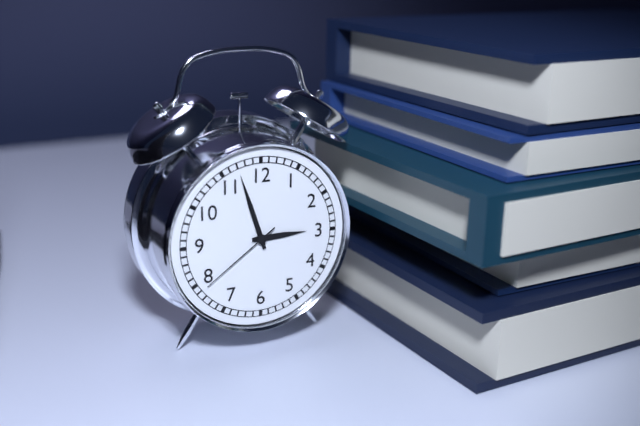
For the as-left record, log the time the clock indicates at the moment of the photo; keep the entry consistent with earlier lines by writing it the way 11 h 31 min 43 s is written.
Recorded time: 2 h 57 min 39 s
